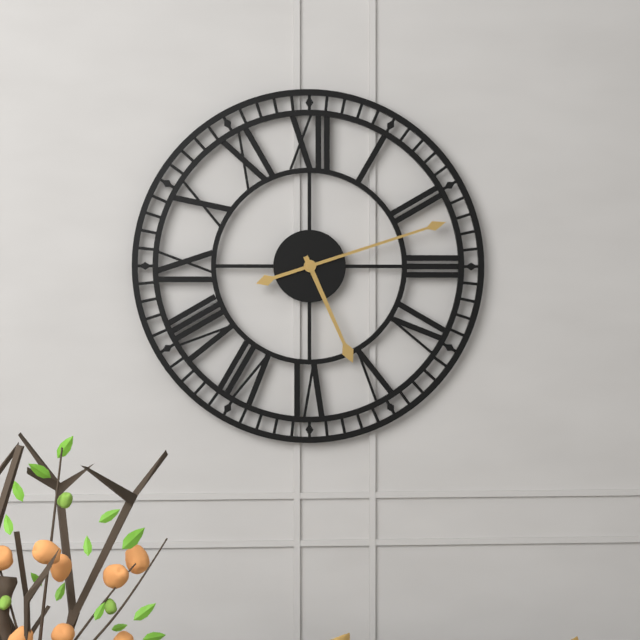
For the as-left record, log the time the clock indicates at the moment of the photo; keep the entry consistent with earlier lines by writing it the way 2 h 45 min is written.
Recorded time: 5 h 12 min
